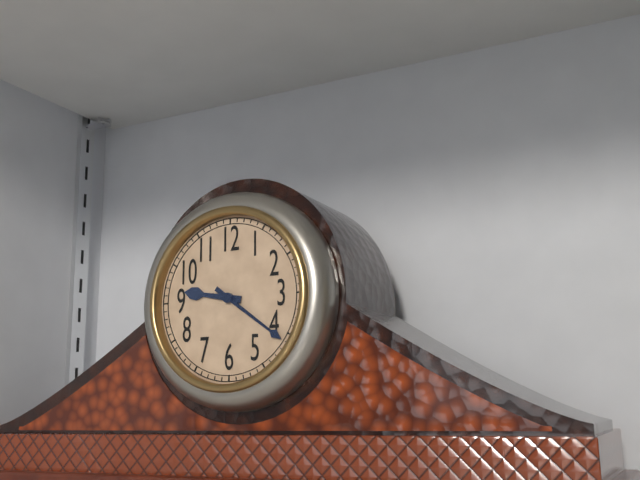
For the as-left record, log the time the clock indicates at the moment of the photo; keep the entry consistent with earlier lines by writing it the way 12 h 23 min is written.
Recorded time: 9 h 21 min
